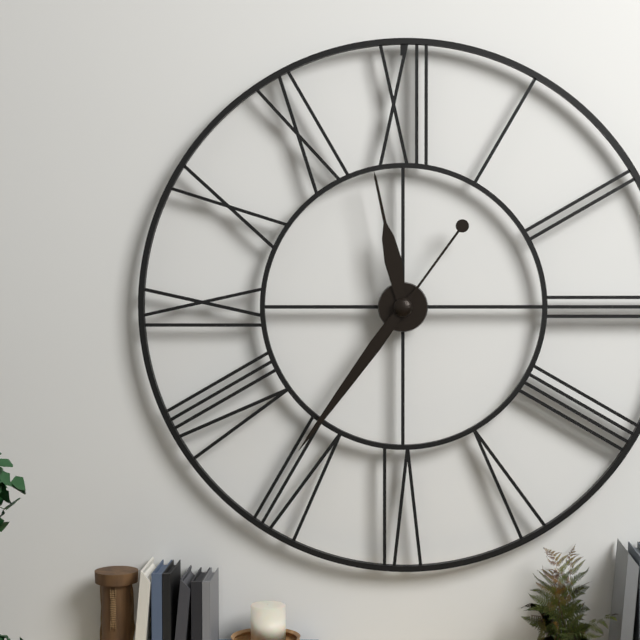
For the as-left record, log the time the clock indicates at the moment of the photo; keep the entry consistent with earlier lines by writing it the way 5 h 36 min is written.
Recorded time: 11 h 36 min
